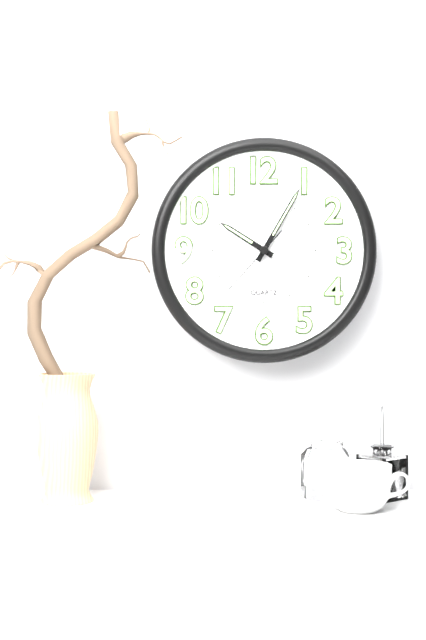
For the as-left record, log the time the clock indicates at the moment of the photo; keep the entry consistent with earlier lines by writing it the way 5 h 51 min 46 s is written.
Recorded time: 10 h 05 min 37 s
